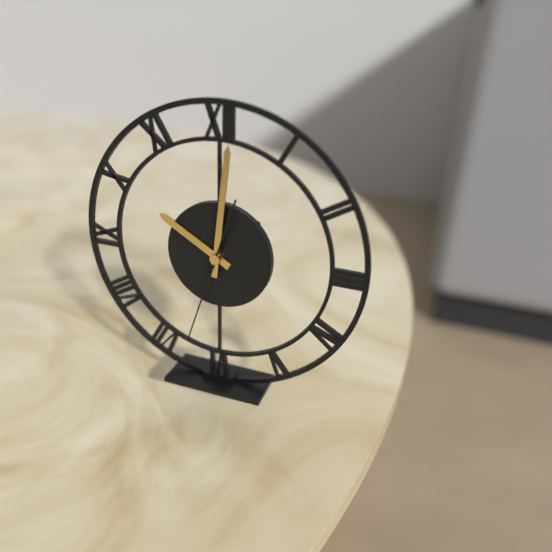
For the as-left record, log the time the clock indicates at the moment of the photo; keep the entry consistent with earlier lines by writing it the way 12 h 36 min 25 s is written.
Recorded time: 10 h 01 min 33 s
